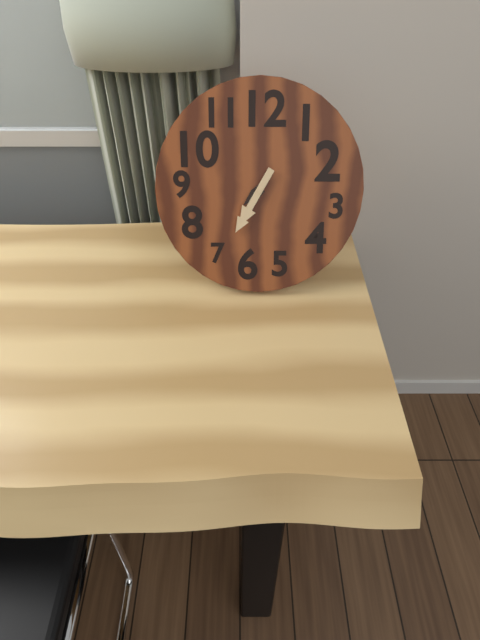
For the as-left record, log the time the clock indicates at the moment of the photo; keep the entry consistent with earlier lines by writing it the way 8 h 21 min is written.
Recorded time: 7 h 35 min
